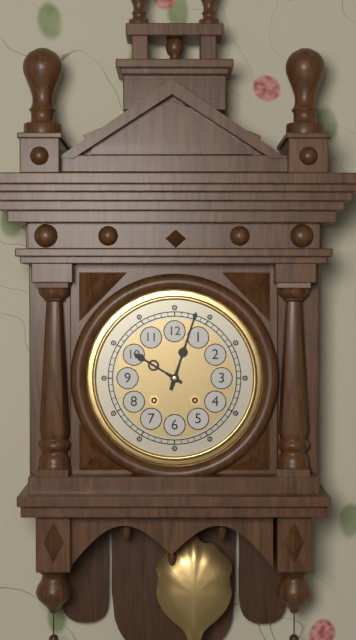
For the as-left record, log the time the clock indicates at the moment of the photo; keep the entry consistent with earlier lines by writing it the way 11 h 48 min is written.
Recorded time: 10 h 03 min
